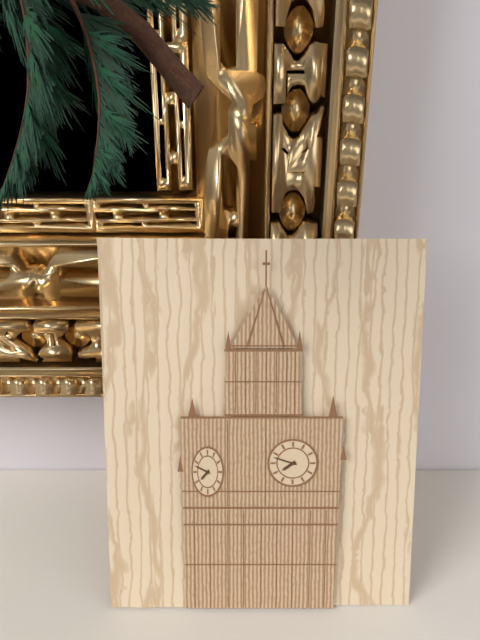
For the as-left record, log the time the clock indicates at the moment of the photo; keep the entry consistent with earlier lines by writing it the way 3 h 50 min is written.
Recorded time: 7 h 48 min
